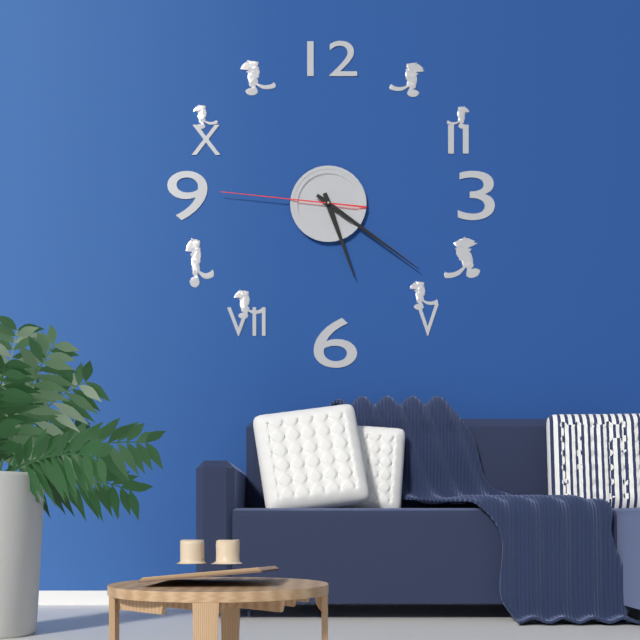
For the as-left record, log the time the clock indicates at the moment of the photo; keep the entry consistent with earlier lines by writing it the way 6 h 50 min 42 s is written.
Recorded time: 5 h 21 min 46 s
